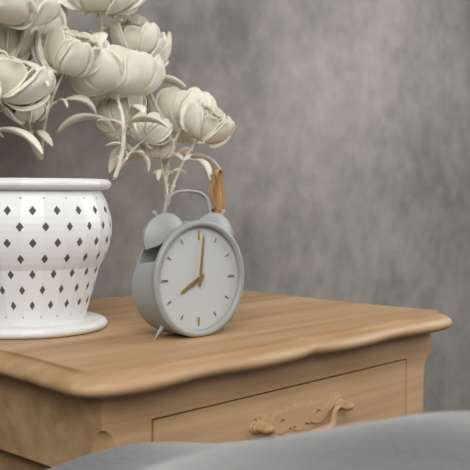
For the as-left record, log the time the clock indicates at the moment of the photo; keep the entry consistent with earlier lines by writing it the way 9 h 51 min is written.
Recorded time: 8 h 01 min
